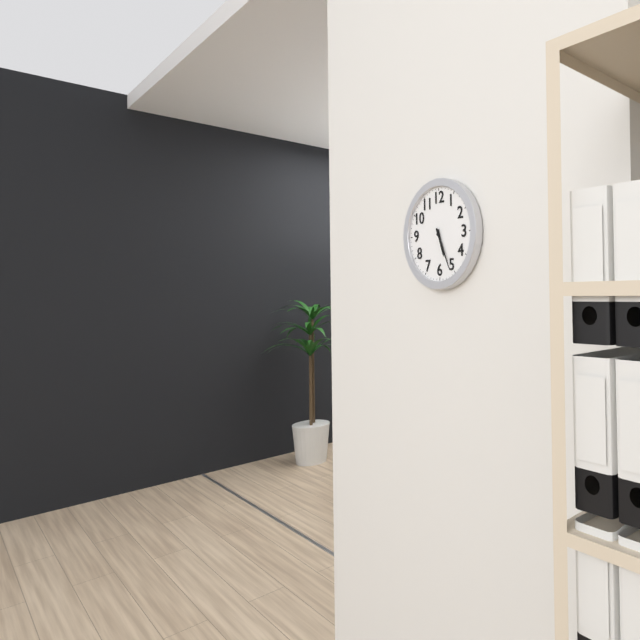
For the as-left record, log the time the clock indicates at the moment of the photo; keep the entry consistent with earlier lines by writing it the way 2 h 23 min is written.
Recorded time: 5 h 26 min
